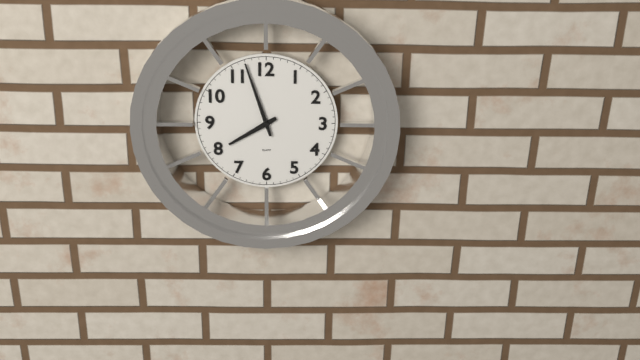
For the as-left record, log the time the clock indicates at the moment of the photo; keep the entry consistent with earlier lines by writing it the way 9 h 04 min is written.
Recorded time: 7 h 57 min
